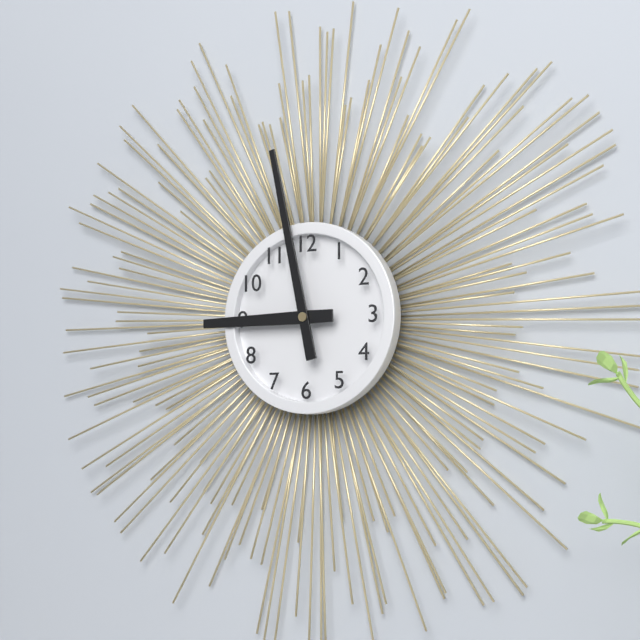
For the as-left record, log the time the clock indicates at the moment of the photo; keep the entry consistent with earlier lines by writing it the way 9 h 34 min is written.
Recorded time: 8 h 58 min
